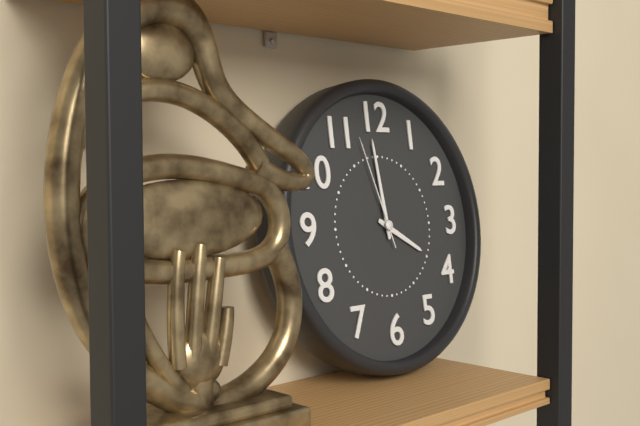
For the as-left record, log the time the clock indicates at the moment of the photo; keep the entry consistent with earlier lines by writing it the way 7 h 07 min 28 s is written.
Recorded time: 3 h 59 min 57 s
